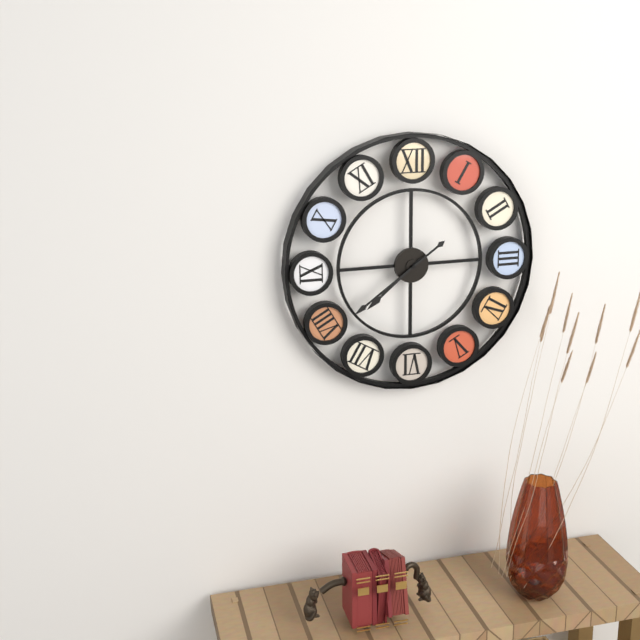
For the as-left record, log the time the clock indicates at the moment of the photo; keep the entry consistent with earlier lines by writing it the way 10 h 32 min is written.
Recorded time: 7 h 39 min
